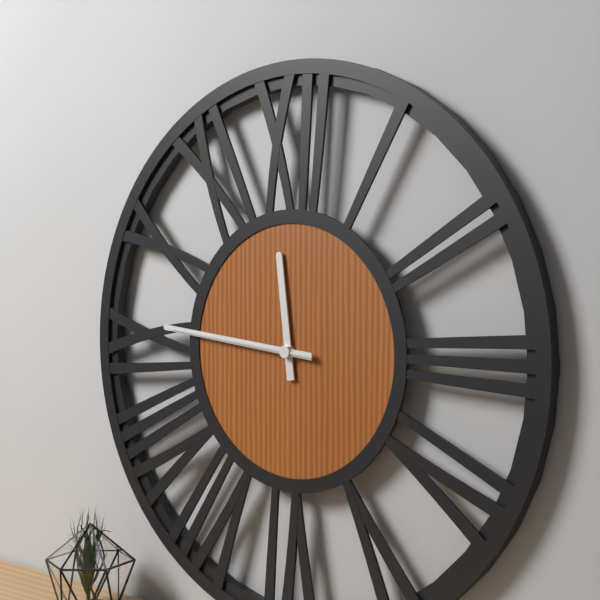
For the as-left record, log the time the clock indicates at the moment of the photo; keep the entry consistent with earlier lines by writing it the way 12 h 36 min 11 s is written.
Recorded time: 11 h 46 min 46 s
